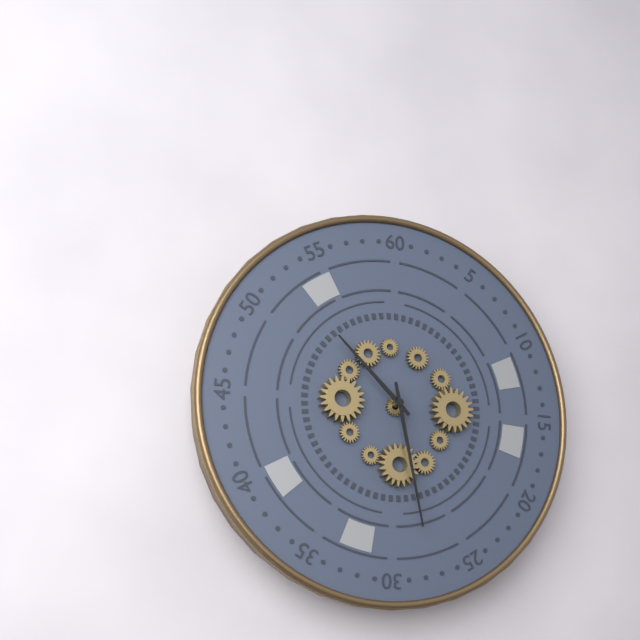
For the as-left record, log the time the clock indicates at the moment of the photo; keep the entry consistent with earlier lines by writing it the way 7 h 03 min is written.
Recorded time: 10 h 28 min
